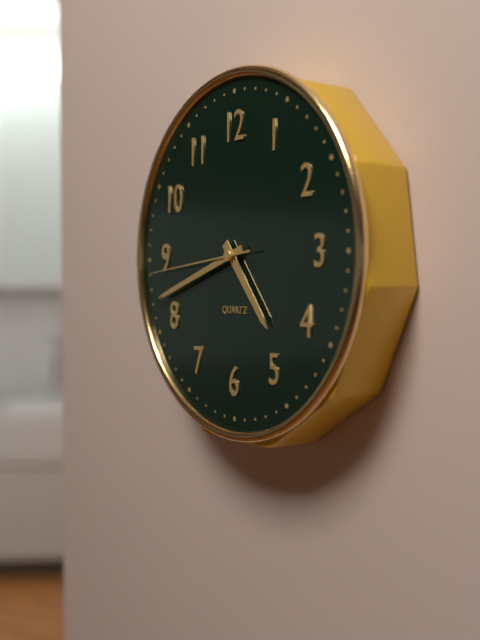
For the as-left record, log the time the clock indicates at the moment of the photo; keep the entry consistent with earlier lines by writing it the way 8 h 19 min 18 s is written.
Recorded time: 4 h 42 min 44 s
